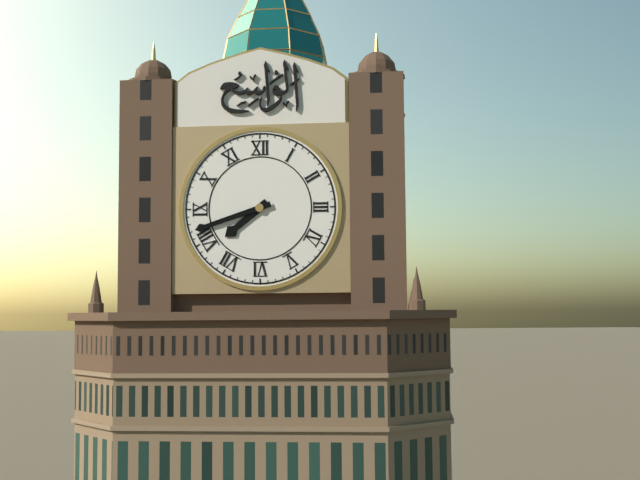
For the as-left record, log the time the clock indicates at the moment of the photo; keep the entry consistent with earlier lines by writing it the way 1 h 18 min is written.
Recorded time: 7 h 42 min
